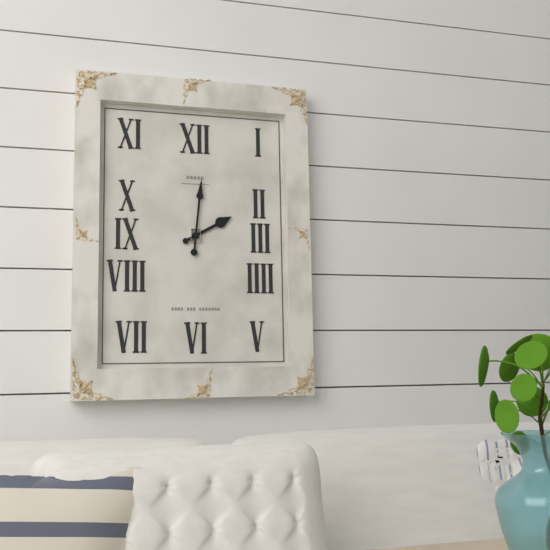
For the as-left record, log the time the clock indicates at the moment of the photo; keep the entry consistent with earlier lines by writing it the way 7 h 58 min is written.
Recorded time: 2 h 01 min
